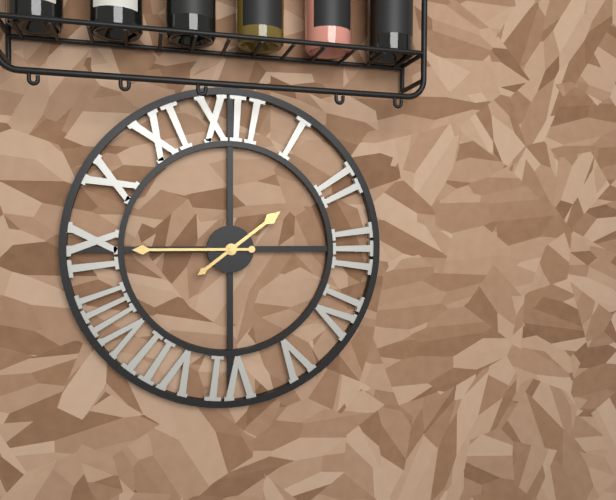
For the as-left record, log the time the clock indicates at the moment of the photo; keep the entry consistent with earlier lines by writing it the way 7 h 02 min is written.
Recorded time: 1 h 45 min
